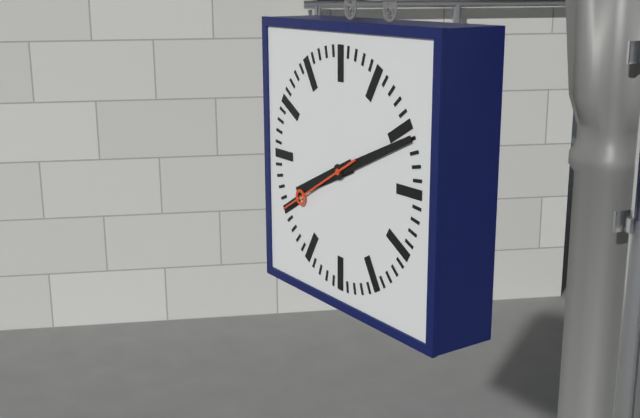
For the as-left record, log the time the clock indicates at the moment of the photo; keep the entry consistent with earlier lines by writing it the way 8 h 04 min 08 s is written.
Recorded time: 8 h 11 min 40 s
